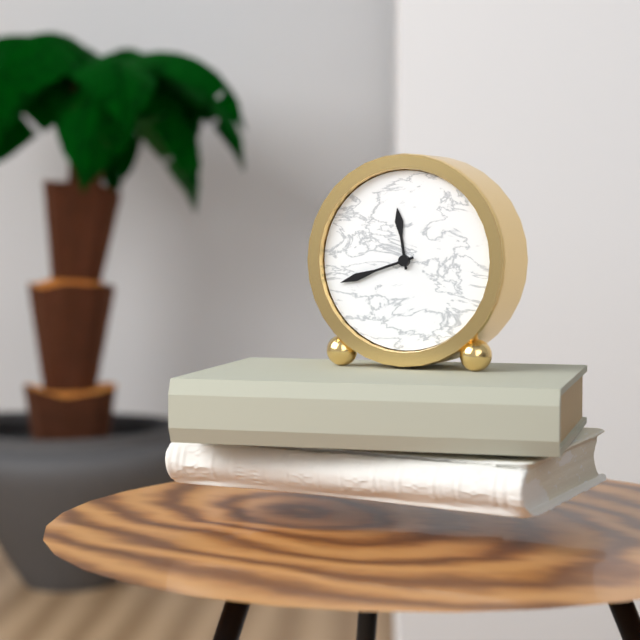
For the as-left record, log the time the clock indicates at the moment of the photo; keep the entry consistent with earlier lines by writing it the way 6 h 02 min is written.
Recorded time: 11 h 42 min
